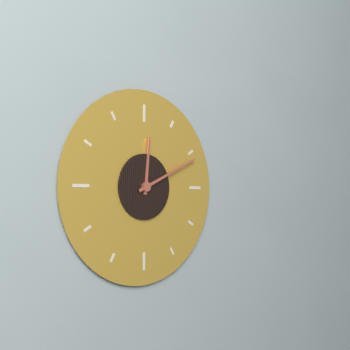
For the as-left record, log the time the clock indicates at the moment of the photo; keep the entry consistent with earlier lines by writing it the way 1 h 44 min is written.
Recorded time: 12 h 11 min
